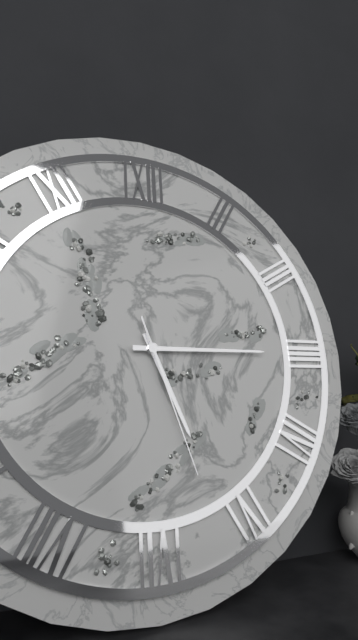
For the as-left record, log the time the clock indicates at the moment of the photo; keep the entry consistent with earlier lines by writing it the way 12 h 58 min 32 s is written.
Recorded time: 5 h 15 min 27 s
